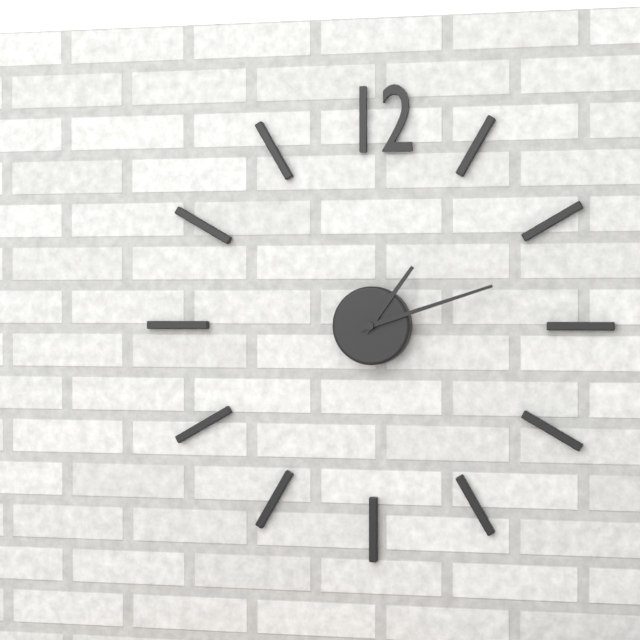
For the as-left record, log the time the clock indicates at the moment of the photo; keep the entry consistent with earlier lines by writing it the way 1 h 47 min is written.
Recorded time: 1 h 12 min
